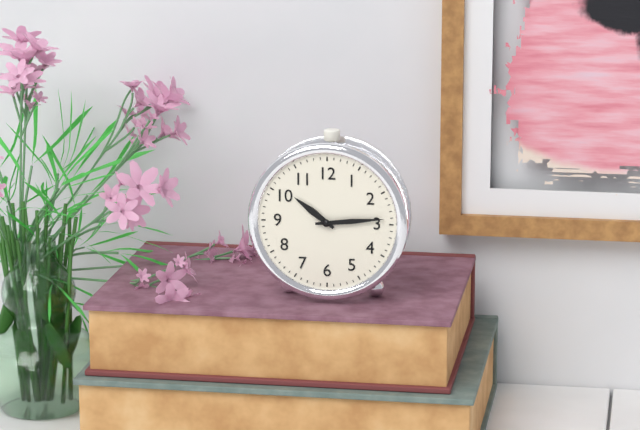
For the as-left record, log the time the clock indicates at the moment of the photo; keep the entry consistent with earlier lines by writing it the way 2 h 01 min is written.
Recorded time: 10 h 14 min
